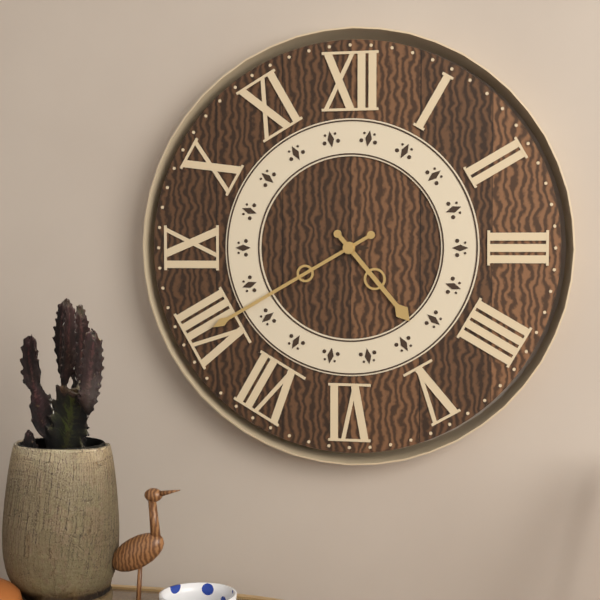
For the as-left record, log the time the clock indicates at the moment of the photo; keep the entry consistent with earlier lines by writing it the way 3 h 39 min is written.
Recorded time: 4 h 40 min
